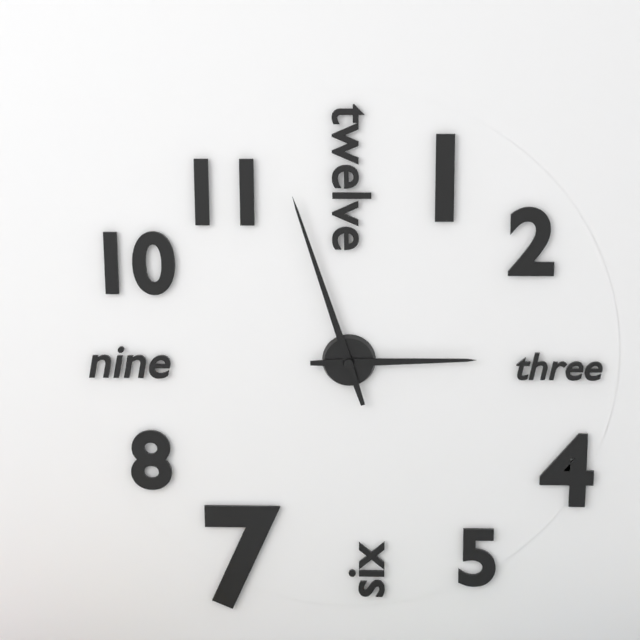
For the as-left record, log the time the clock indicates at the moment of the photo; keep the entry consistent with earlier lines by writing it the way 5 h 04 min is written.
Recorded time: 2 h 57 min
